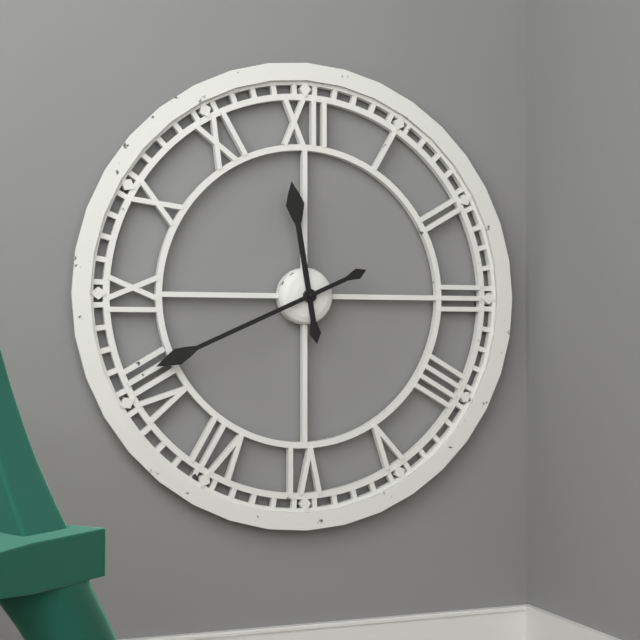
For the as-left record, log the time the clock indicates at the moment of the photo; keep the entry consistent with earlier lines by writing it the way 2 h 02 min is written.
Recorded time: 11 h 41 min
